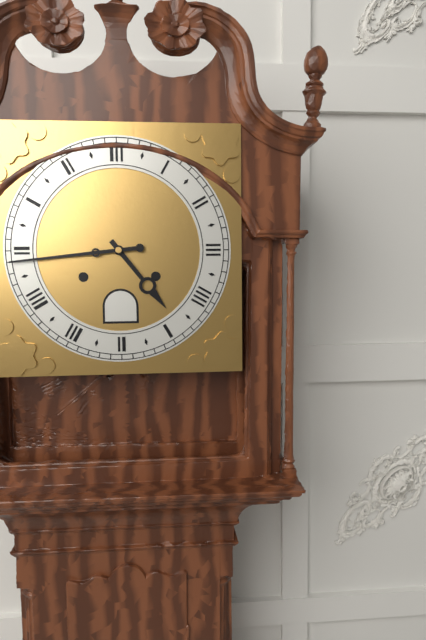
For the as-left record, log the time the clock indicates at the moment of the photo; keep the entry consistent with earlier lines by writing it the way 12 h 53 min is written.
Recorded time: 4 h 44 min
